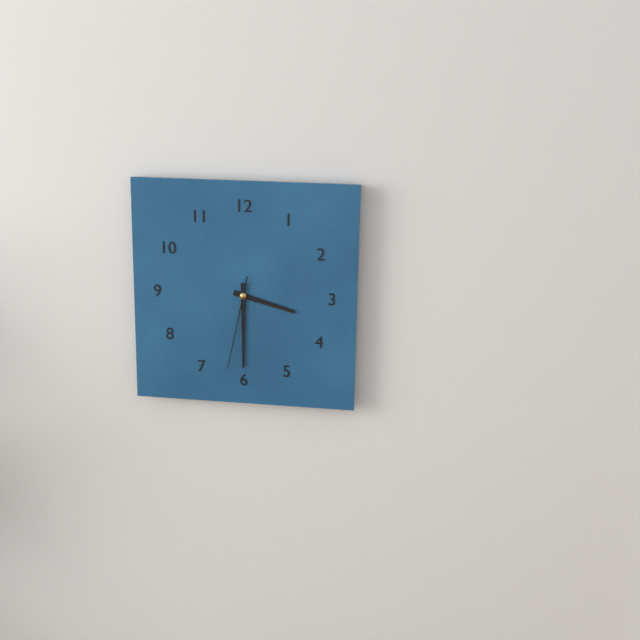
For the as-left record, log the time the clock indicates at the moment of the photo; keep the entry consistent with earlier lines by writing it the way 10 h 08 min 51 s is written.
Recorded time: 3 h 30 min 32 s
